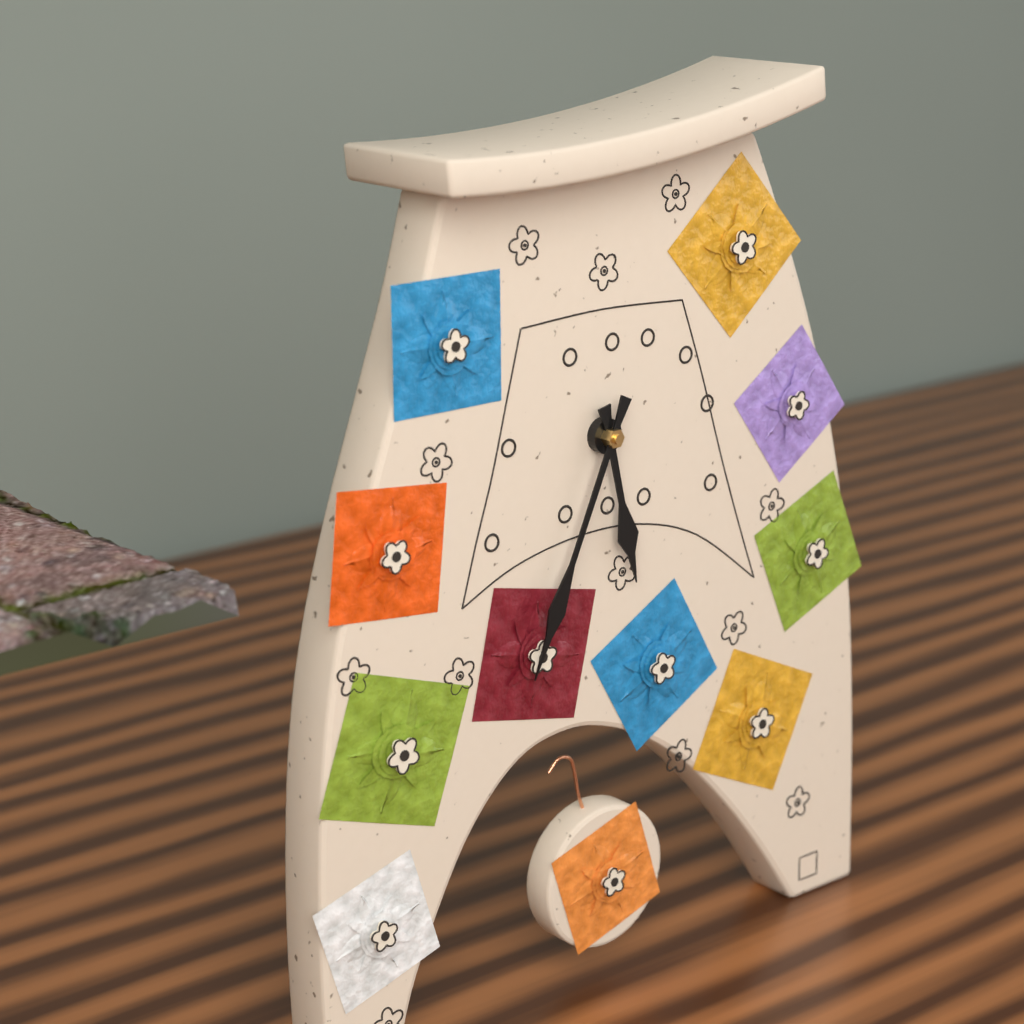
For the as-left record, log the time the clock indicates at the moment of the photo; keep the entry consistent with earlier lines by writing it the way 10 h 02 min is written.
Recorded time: 5 h 34 min
